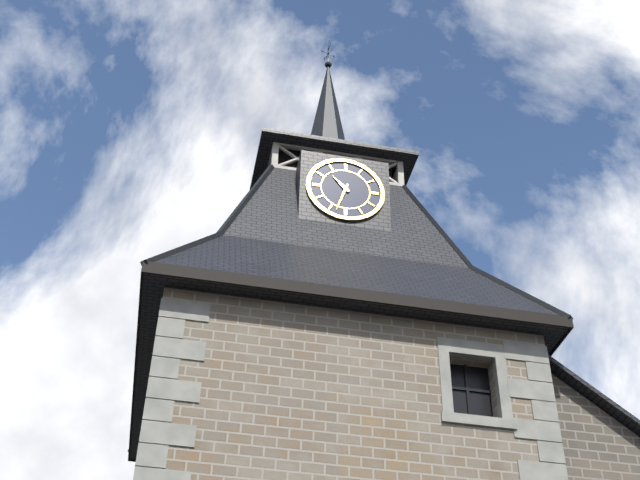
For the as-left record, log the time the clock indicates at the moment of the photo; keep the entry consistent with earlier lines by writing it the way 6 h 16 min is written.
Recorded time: 10 h 33 min
